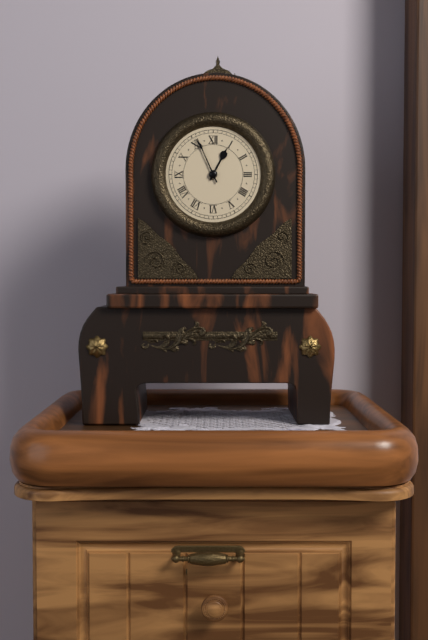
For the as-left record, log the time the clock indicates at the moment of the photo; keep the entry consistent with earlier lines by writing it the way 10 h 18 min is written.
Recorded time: 12 h 56 min
